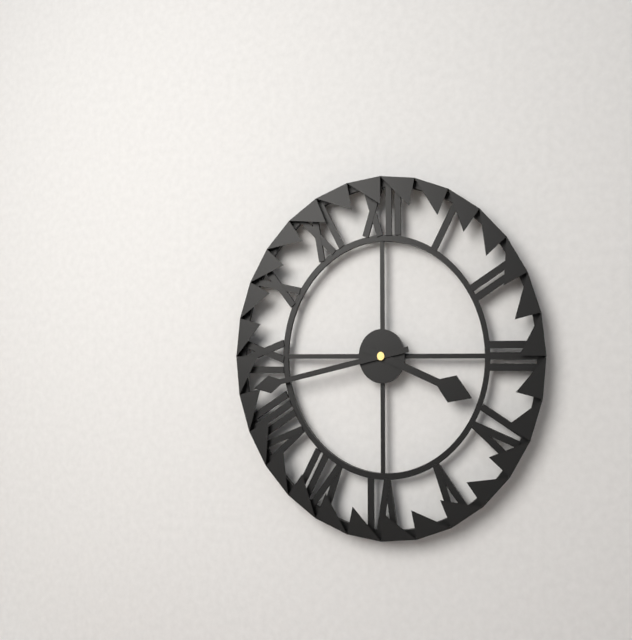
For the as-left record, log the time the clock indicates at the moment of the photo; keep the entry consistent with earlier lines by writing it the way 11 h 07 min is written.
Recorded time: 3 h 43 min
